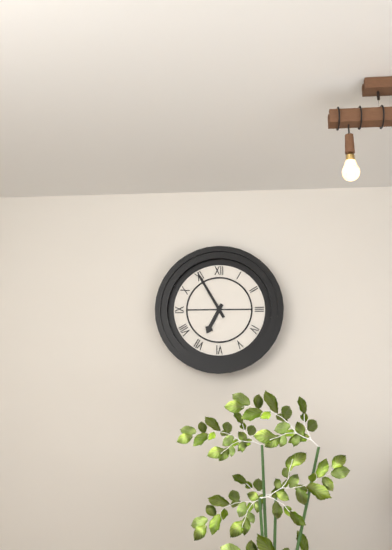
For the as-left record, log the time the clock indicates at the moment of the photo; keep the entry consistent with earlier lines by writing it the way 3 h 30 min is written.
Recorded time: 6 h 55 min
